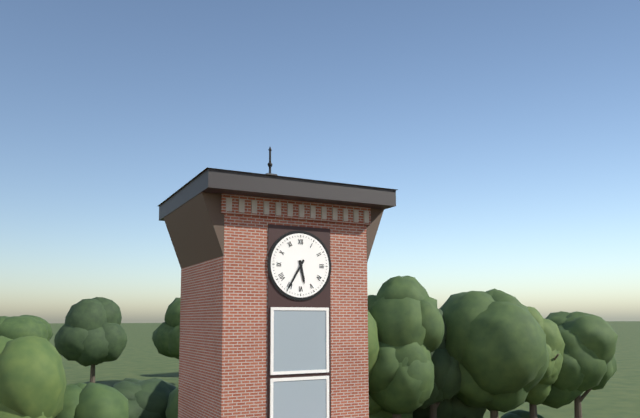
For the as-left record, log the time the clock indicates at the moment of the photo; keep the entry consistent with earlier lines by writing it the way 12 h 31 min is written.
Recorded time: 5 h 35 min
